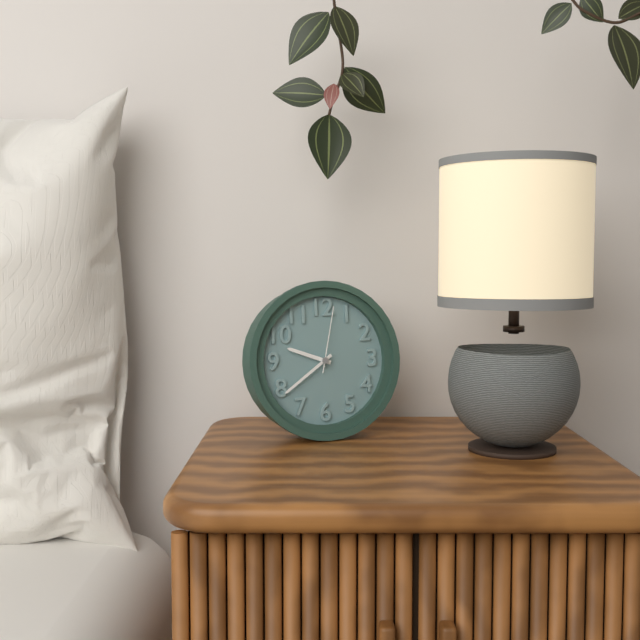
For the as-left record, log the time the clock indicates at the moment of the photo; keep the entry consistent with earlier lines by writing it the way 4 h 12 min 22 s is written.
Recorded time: 9 h 39 min 02 s
